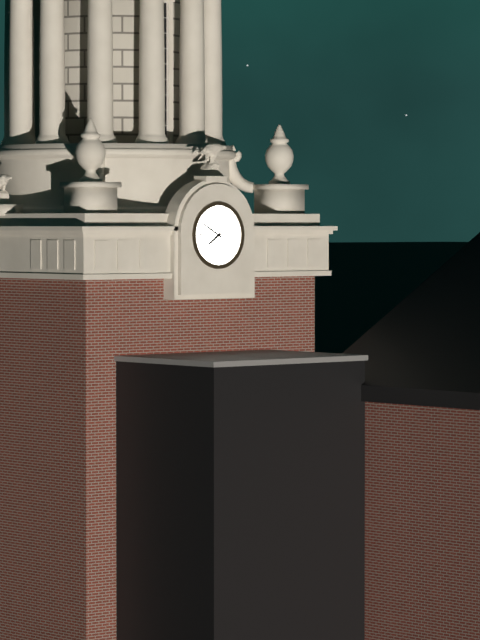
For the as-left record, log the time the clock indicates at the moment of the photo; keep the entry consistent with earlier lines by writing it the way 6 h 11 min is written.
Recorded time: 7 h 50 min
